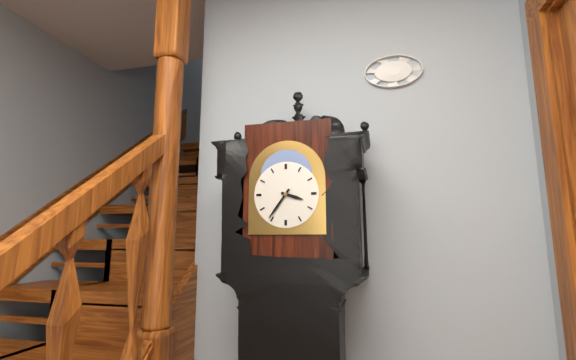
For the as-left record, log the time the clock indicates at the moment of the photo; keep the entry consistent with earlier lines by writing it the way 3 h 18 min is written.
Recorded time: 3 h 36 min
